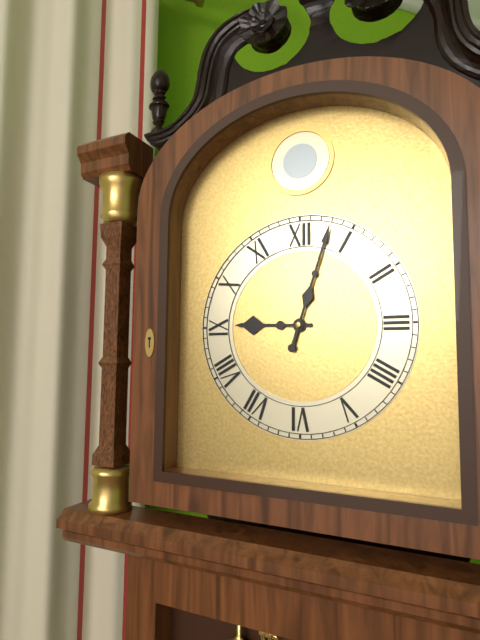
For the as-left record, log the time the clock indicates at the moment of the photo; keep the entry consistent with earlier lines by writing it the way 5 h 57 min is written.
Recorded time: 9 h 03 min
